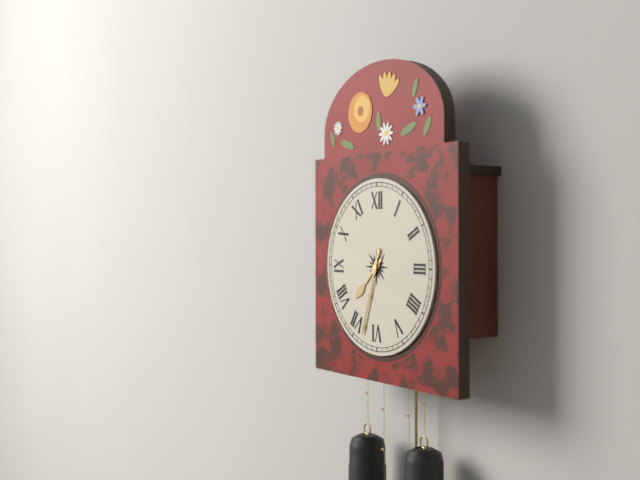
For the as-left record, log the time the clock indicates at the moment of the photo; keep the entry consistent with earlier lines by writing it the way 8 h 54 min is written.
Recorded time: 7 h 33 min
